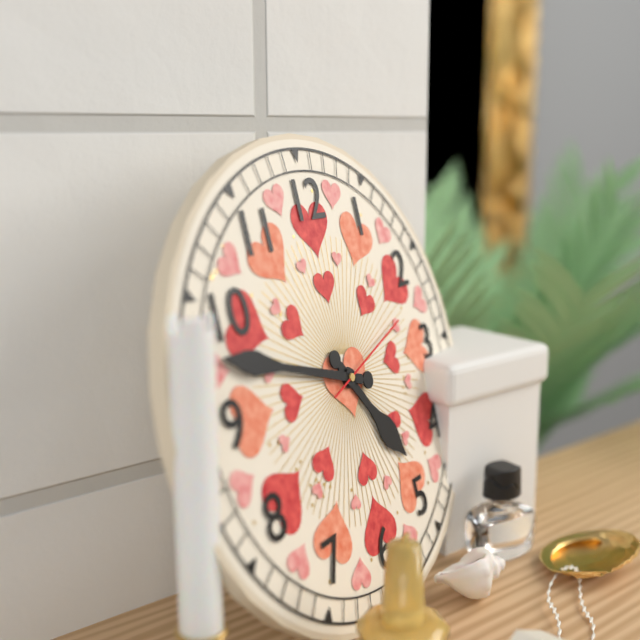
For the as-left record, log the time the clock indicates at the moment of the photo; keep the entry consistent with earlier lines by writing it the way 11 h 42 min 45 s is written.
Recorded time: 4 h 48 min 12 s
